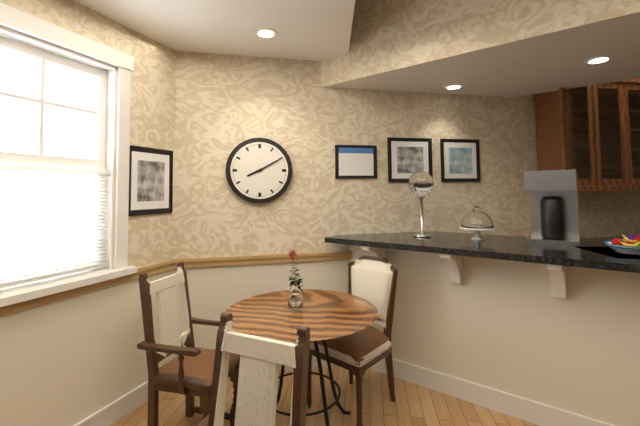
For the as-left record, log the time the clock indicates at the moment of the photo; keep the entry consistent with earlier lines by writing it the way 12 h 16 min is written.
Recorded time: 8 h 10 min
